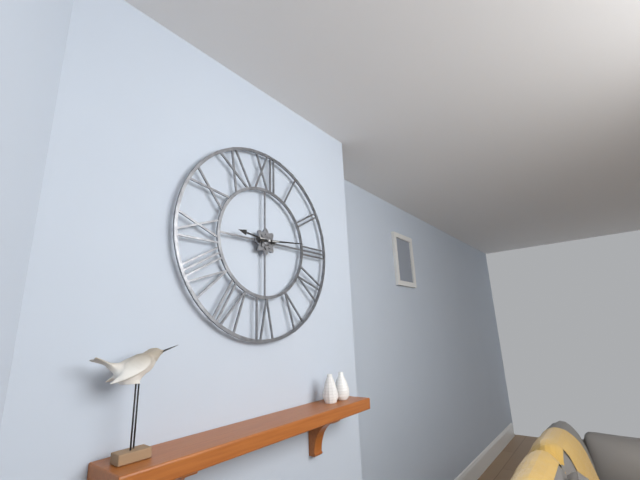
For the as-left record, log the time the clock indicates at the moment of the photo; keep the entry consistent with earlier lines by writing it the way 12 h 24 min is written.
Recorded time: 9 h 14 min
